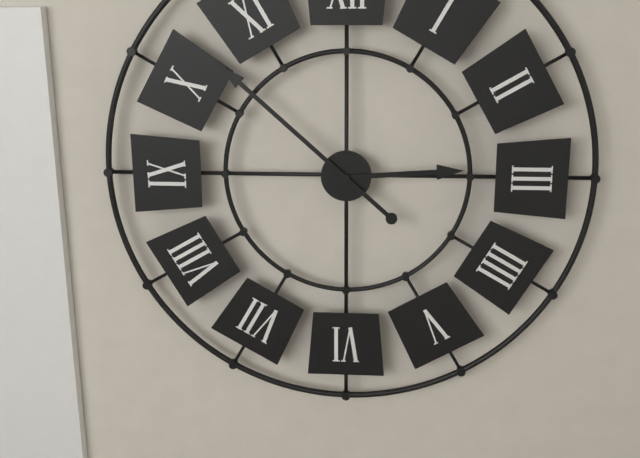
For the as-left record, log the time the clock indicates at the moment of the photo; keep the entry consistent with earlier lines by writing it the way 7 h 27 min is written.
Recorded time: 2 h 52 min
